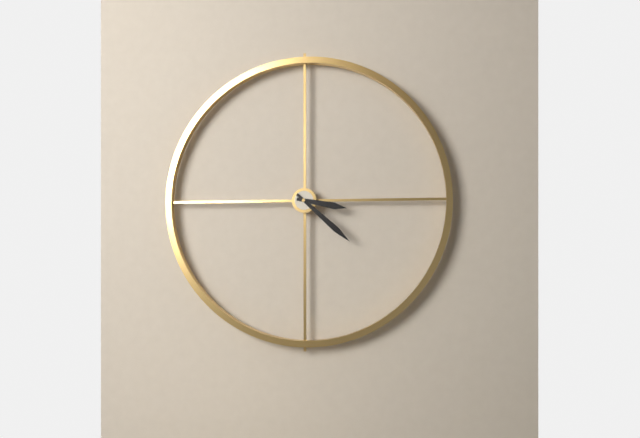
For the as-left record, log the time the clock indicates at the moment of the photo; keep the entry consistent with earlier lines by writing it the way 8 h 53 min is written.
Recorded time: 3 h 22 min
